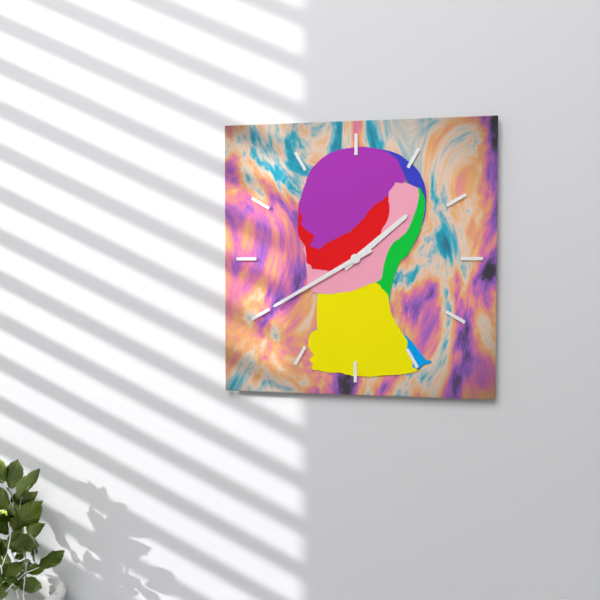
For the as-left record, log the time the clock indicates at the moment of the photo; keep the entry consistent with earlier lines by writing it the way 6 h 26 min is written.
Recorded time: 1 h 40 min
